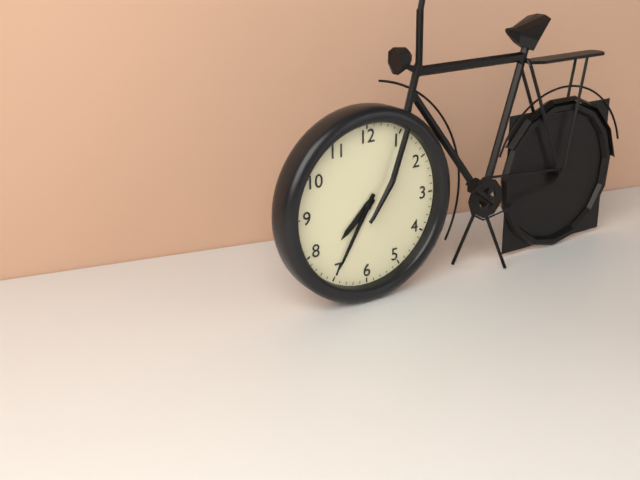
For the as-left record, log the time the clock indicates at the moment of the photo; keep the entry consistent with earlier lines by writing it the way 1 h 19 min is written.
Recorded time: 7 h 35 min
